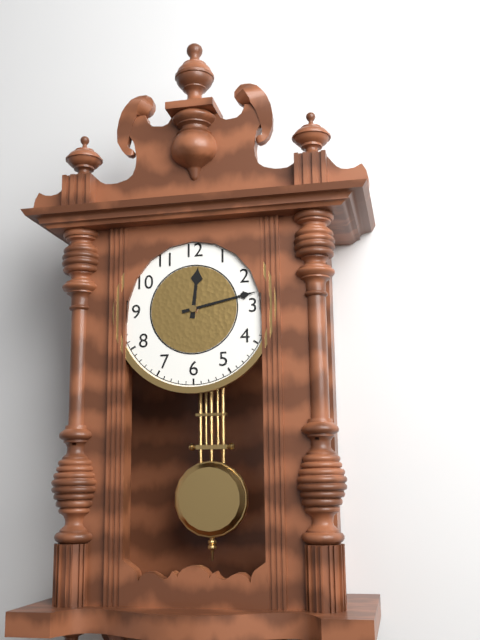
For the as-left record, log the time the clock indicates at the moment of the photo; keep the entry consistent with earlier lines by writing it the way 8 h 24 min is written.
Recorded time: 12 h 13 min
